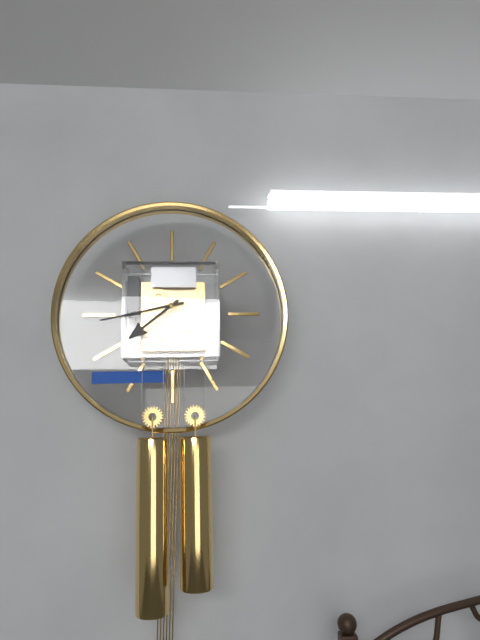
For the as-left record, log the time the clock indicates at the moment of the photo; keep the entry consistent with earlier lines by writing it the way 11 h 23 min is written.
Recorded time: 7 h 43 min
